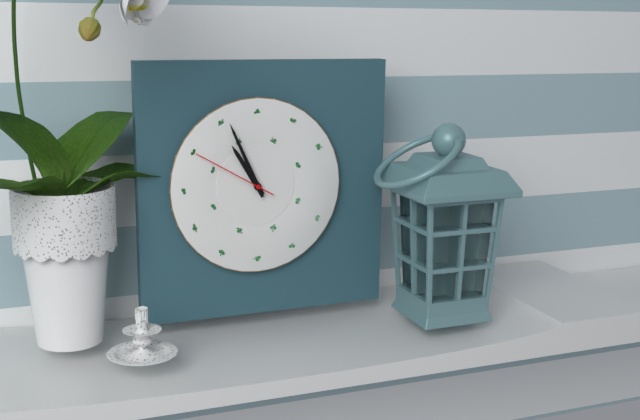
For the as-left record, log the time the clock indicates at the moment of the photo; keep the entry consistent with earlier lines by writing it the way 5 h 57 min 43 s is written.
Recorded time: 10 h 56 min 50 s
